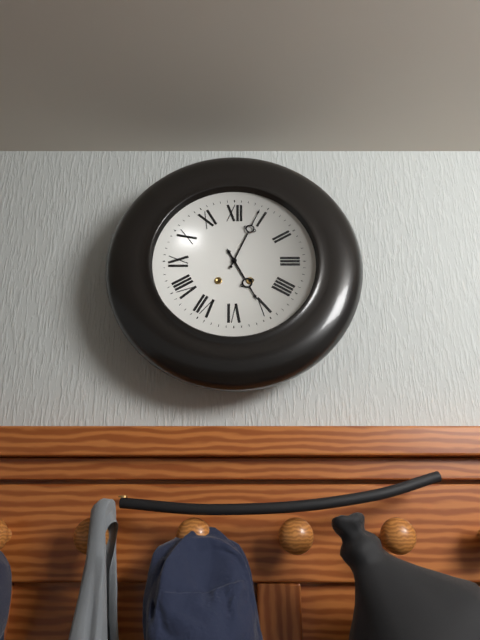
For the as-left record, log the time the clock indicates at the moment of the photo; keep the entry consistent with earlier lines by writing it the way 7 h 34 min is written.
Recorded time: 5 h 04 min
